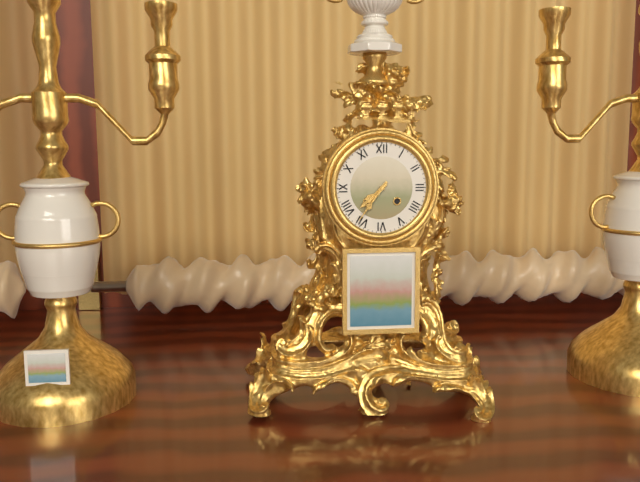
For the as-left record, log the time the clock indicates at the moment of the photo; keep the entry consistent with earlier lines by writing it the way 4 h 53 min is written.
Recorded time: 7 h 36 min
